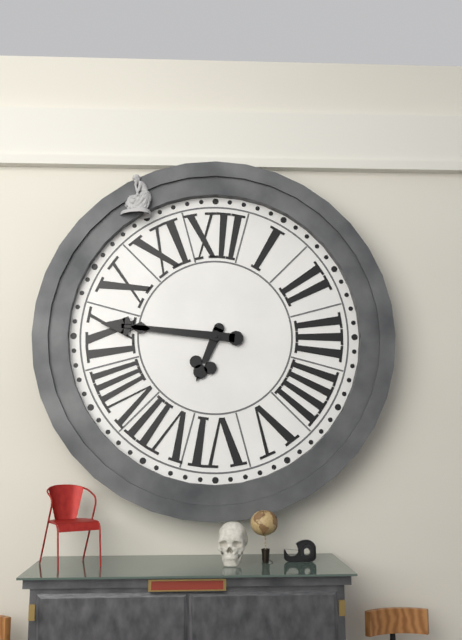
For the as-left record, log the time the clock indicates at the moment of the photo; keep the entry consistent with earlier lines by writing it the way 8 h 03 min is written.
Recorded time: 6 h 46 min
